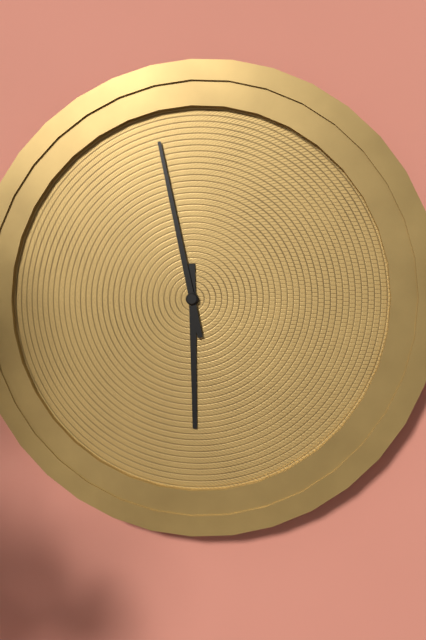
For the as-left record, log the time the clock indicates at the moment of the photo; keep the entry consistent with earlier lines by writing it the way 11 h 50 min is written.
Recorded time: 5 h 58 min
